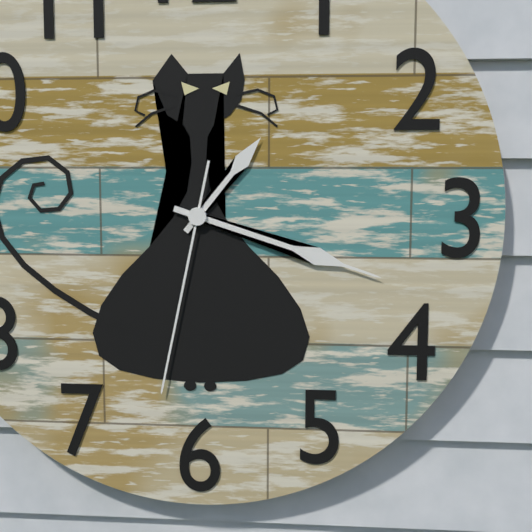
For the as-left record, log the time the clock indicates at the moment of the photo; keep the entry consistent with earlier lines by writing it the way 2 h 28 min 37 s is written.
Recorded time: 1 h 18 min 32 s
